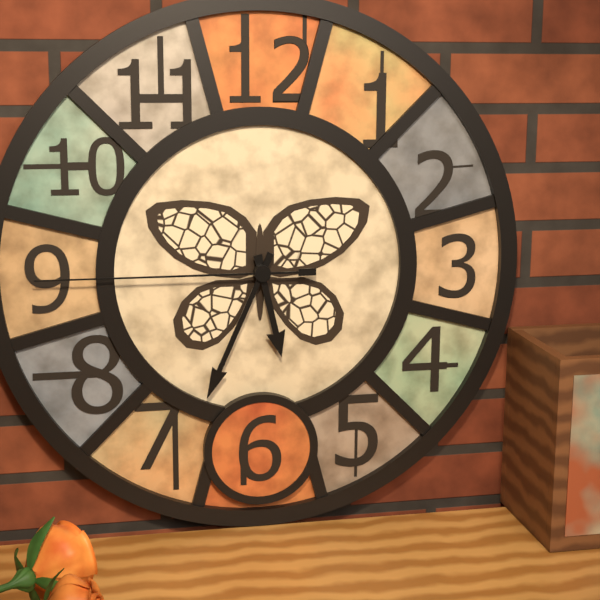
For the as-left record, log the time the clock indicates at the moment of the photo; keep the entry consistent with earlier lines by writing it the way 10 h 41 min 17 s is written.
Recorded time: 5 h 34 min 45 s
